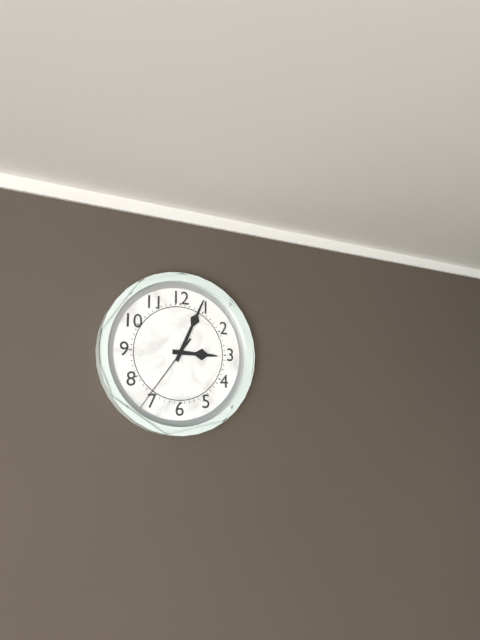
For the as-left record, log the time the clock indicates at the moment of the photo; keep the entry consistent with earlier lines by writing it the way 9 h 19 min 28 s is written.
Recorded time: 3 h 04 min 36 s
